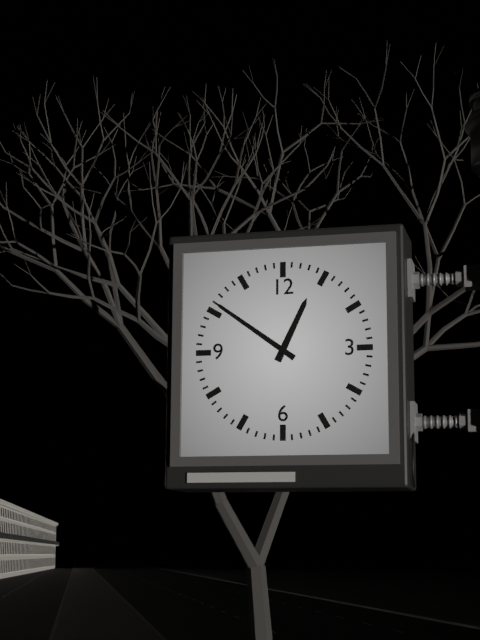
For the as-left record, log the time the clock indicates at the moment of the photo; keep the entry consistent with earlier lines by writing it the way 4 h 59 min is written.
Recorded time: 12 h 51 min
